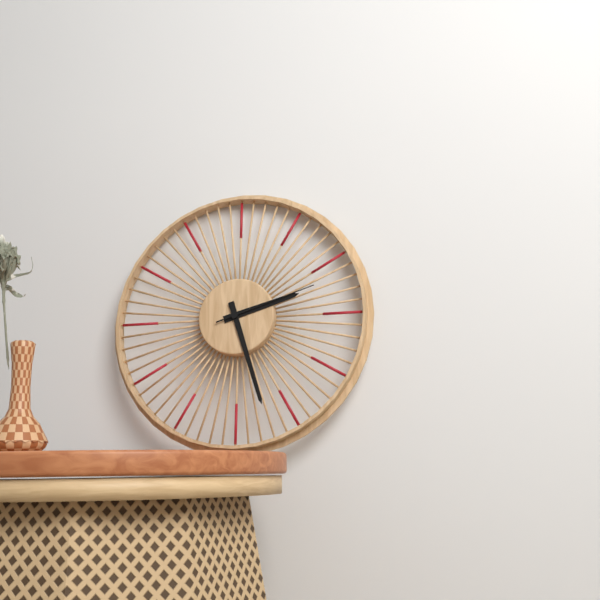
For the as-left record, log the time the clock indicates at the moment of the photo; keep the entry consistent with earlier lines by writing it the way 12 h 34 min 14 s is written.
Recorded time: 2 h 27 min 12 s
